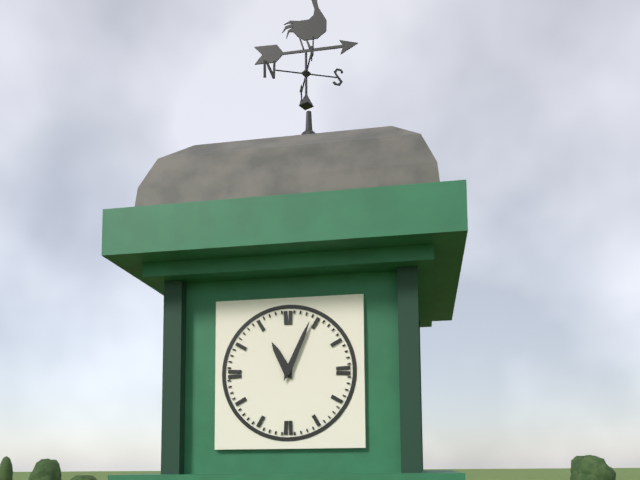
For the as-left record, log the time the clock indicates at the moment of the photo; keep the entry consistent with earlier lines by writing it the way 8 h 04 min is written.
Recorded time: 11 h 04 min
